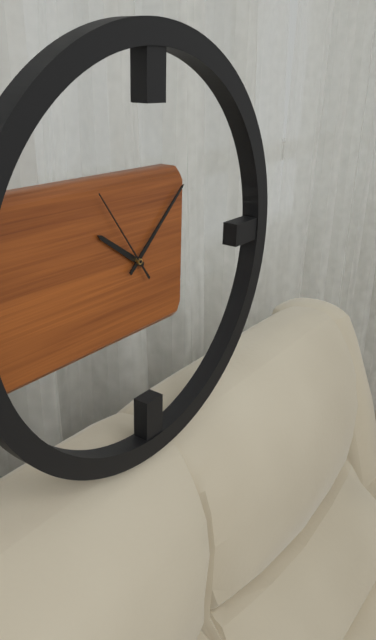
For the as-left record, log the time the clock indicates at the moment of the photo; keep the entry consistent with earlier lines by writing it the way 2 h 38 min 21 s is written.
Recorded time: 10 h 08 min 54 s
